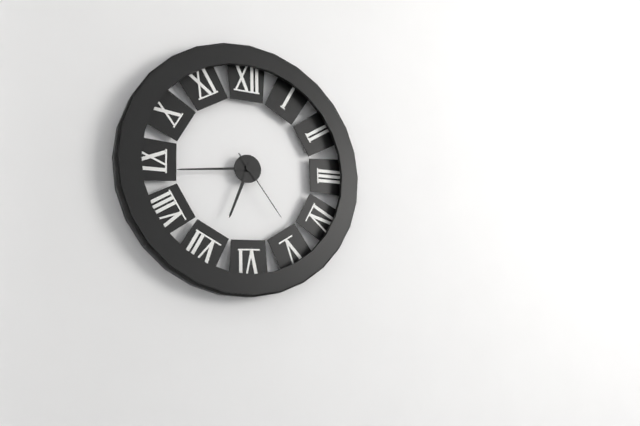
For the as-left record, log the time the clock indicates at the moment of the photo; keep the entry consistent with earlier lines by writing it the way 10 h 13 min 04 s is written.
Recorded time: 6 h 44 min 24 s
